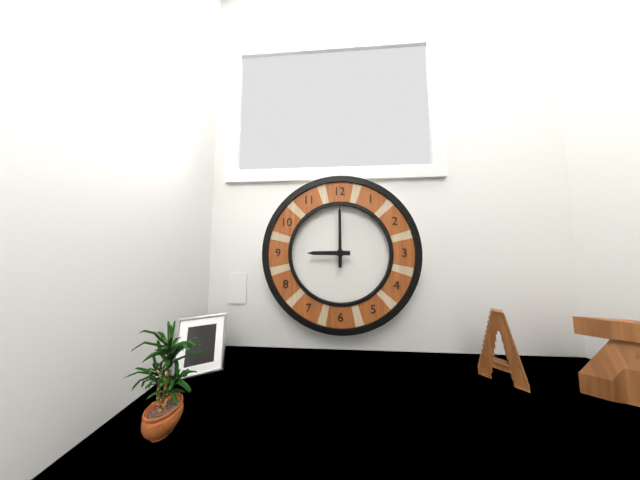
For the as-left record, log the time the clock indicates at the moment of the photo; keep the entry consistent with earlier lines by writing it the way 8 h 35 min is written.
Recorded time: 9 h 00 min
